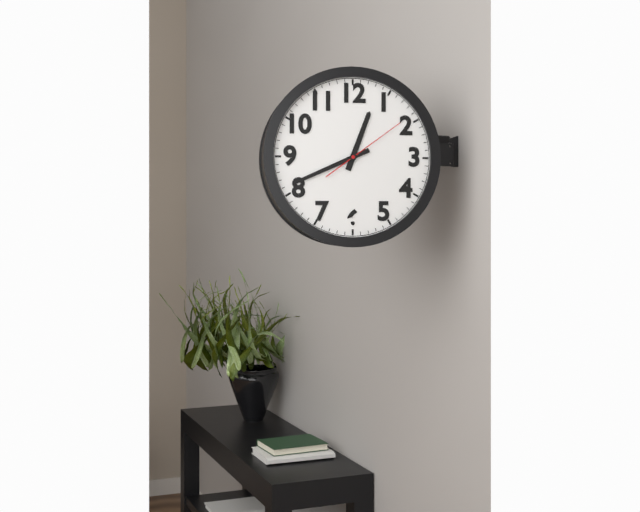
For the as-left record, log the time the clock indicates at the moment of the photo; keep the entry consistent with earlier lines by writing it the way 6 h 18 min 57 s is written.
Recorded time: 12 h 41 min 09 s
